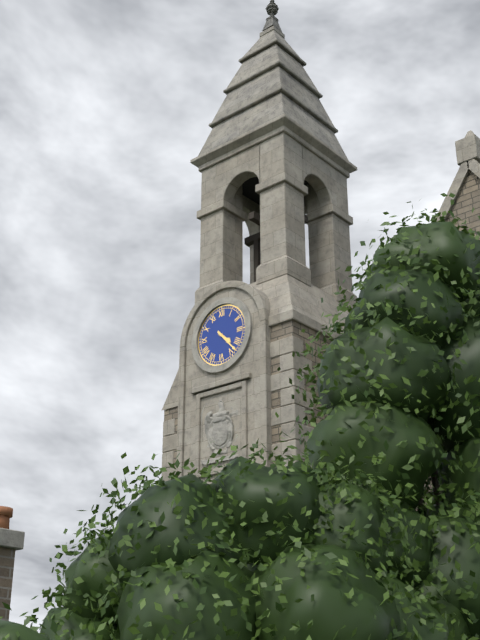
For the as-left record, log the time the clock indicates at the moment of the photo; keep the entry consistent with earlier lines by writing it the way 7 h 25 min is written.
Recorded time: 4 h 23 min
